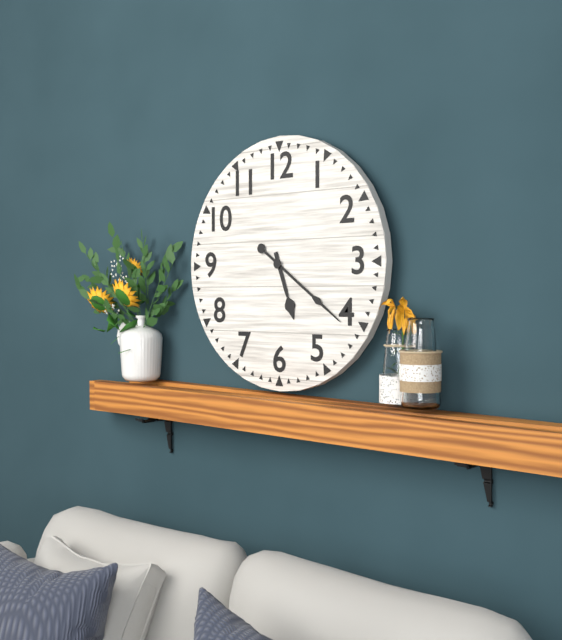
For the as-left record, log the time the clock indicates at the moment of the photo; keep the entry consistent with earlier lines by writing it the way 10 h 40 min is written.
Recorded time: 5 h 21 min
